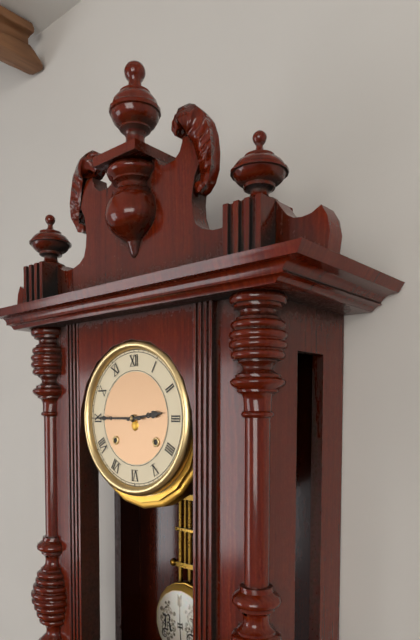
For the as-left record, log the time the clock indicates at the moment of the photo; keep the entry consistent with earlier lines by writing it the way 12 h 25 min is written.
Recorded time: 2 h 45 min
